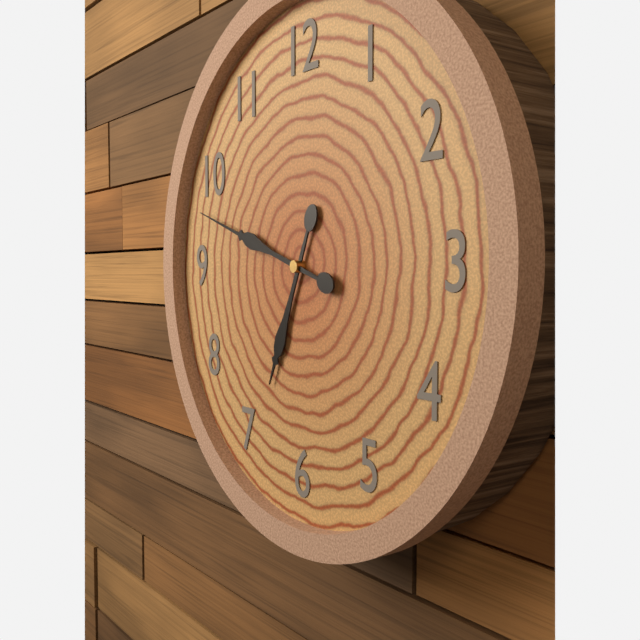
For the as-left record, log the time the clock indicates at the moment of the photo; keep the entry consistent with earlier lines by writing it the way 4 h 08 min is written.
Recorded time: 6 h 48 min
